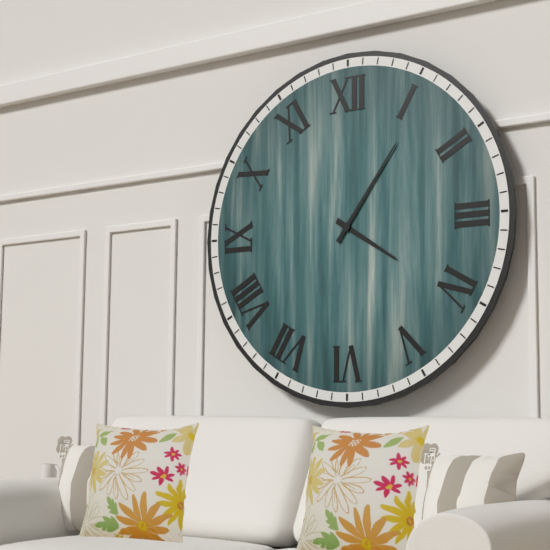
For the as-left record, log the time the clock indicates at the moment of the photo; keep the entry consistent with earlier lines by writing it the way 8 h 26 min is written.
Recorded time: 4 h 06 min
